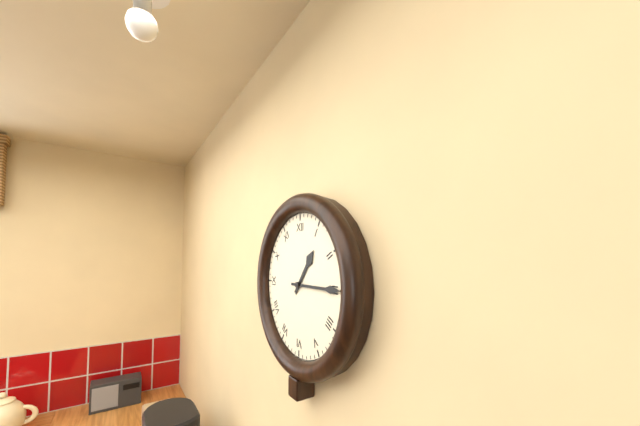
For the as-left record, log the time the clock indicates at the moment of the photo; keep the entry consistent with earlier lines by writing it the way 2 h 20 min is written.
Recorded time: 1 h 15 min
